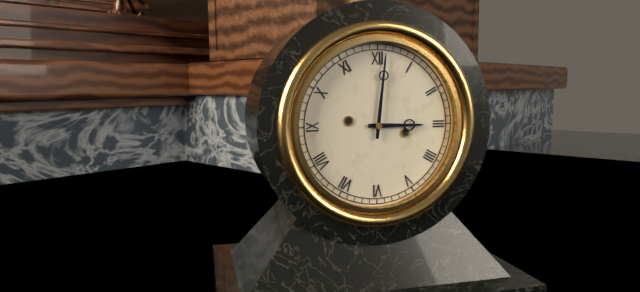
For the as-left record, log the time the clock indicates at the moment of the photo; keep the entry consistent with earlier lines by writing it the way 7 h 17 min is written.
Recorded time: 3 h 01 min
